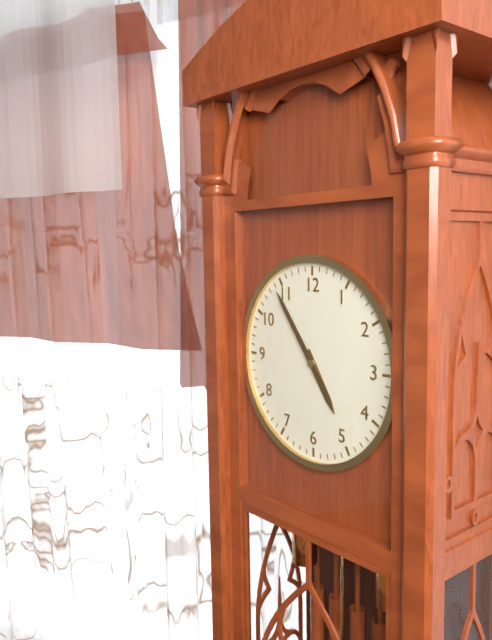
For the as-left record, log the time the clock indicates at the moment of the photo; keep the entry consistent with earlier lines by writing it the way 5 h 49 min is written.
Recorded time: 4 h 54 min
